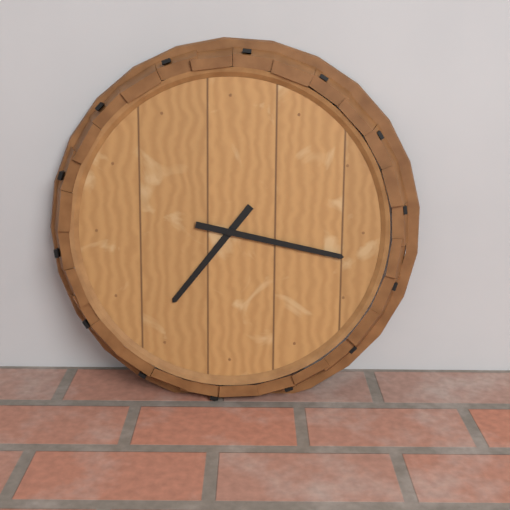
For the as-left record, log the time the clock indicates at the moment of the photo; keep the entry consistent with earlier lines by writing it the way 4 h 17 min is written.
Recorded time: 7 h 17 min
